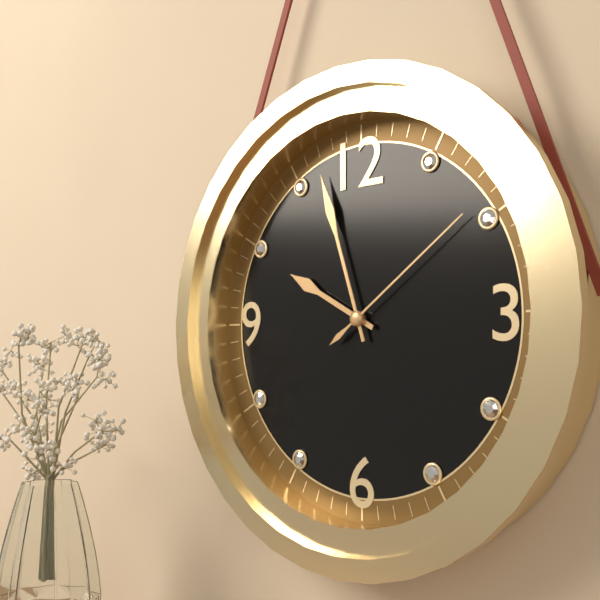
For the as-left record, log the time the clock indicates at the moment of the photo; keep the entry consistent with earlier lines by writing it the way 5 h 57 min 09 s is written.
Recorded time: 9 h 57 min 09 s
